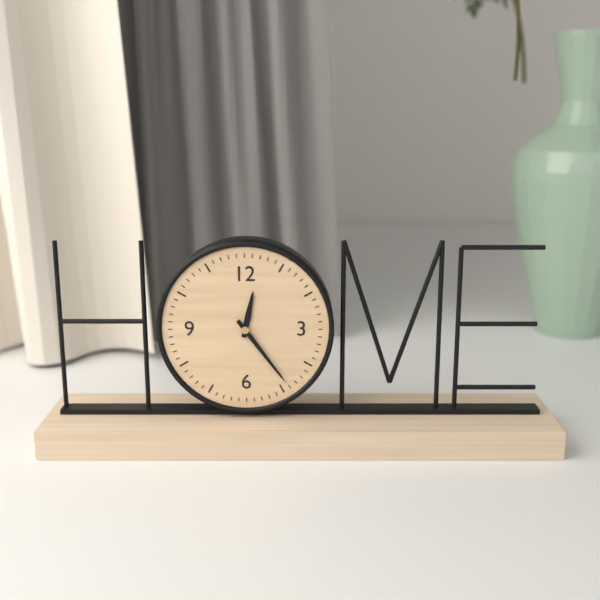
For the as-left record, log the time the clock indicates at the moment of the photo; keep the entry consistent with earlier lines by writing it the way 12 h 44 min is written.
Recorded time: 12 h 24 min
